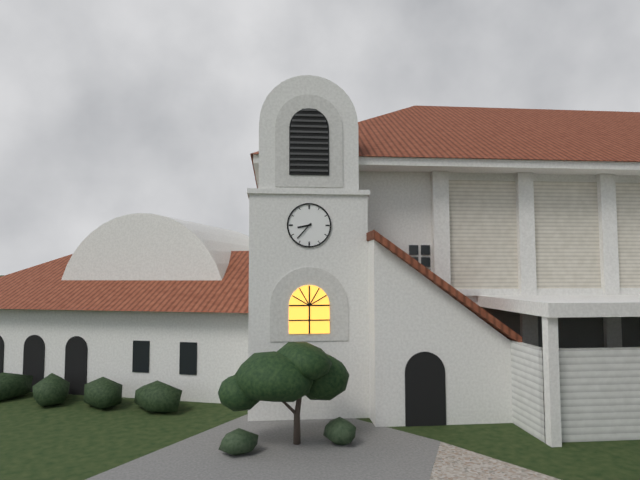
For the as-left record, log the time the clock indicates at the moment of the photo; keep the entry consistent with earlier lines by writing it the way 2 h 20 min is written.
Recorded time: 8 h 37 min
